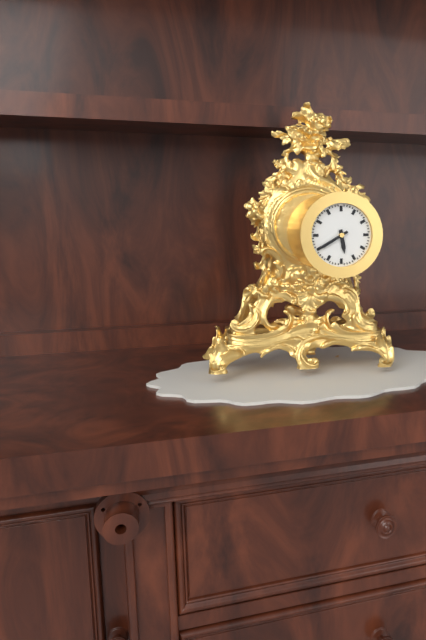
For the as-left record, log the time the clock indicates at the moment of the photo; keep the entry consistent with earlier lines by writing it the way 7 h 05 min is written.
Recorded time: 5 h 40 min
